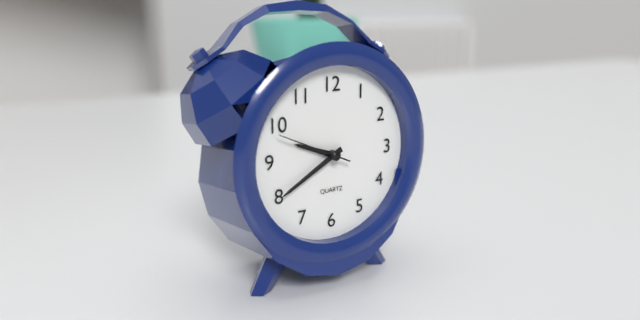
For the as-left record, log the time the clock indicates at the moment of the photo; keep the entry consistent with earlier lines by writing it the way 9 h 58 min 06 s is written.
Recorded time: 9 h 40 min 49 s
